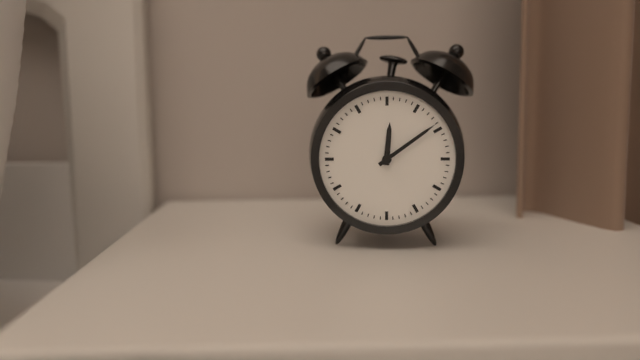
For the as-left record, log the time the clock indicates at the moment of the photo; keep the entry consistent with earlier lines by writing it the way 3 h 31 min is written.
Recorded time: 12 h 09 min
